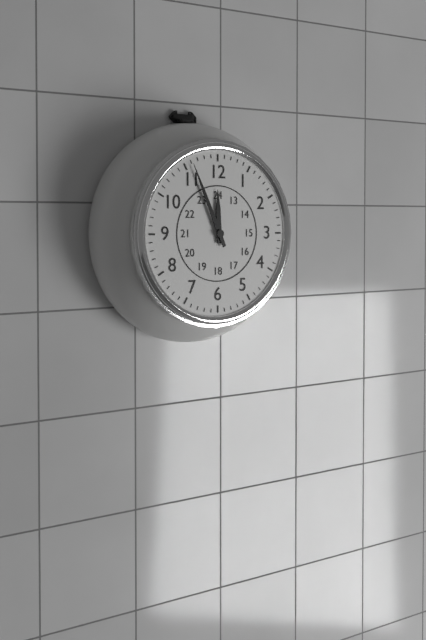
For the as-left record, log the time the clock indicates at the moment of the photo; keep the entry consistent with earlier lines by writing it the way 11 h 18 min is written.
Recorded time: 11 h 56 min
